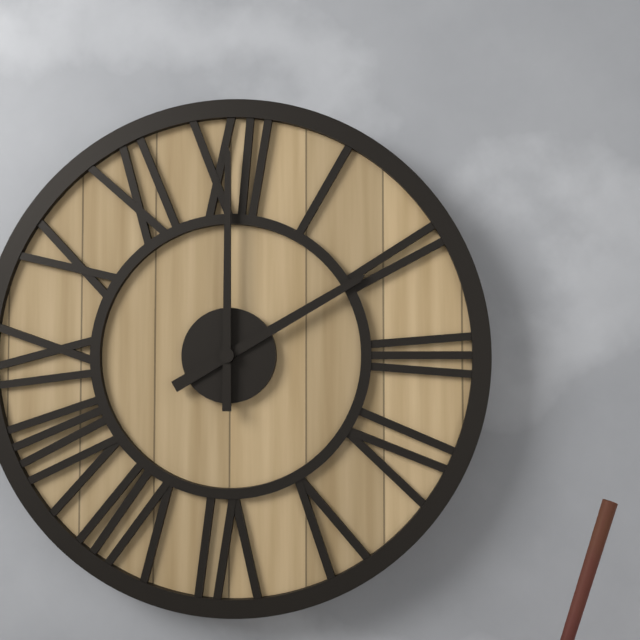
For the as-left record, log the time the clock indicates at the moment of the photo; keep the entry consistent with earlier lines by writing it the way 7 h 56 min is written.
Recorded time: 2 h 00 min
